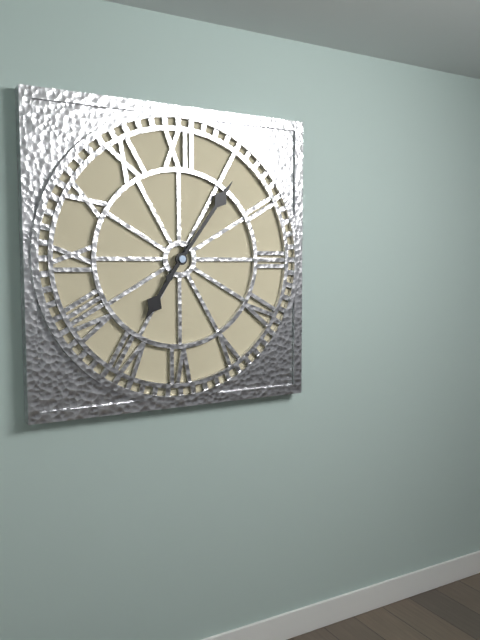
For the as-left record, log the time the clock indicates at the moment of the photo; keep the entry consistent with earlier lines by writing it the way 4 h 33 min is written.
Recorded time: 7 h 06 min
